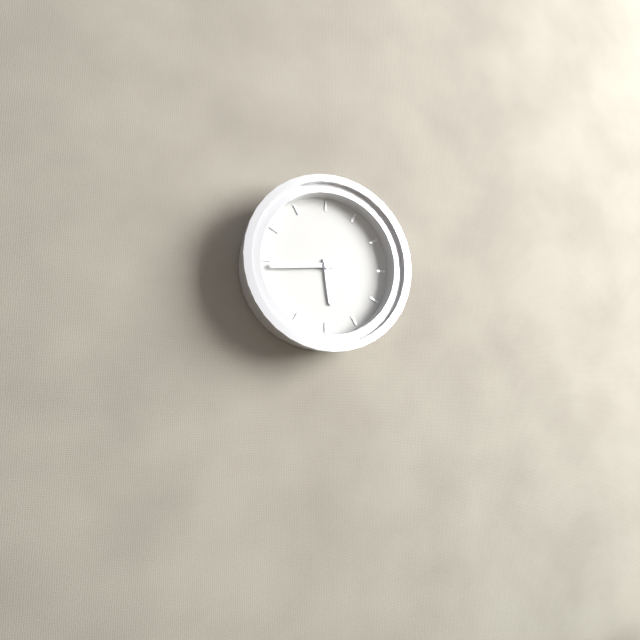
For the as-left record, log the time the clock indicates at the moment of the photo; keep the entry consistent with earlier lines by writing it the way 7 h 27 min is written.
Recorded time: 5 h 44 min
